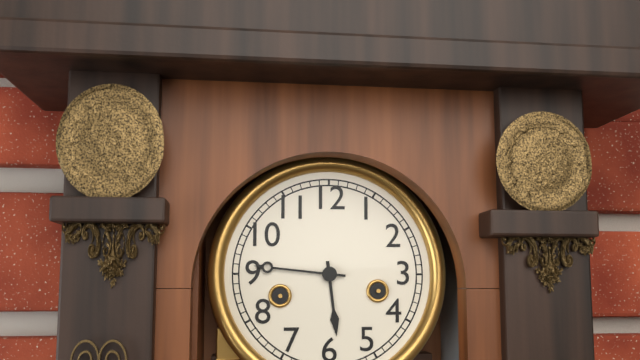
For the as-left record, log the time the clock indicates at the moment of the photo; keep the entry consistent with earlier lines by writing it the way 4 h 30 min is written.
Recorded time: 5 h 46 min
